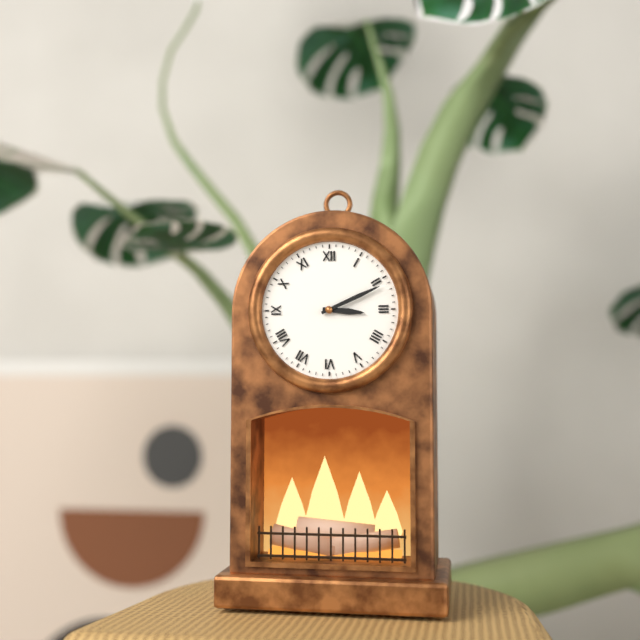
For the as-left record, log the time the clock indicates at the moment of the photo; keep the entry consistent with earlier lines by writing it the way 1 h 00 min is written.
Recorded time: 3 h 11 min
